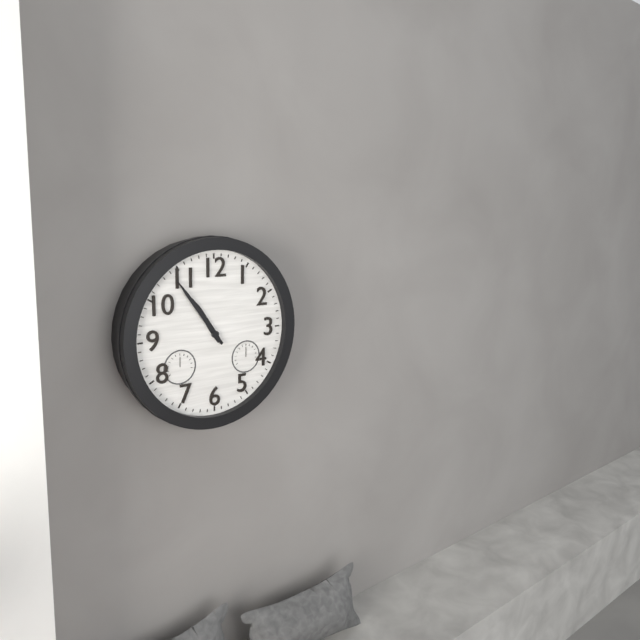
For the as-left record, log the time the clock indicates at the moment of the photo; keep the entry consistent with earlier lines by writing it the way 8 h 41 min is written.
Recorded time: 10 h 54 min
